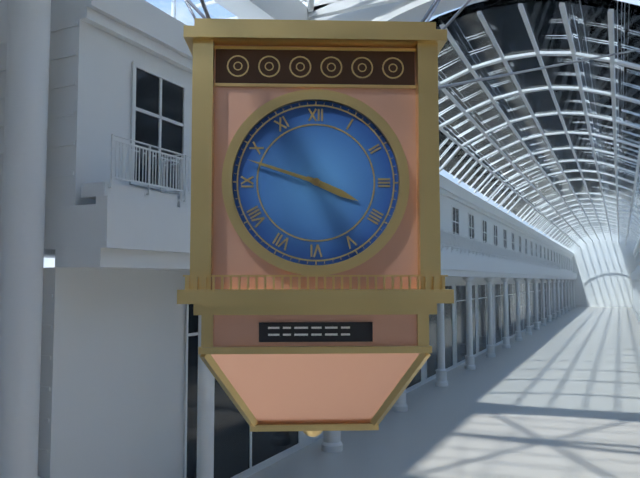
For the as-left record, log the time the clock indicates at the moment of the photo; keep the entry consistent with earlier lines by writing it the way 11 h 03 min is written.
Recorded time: 3 h 48 min
